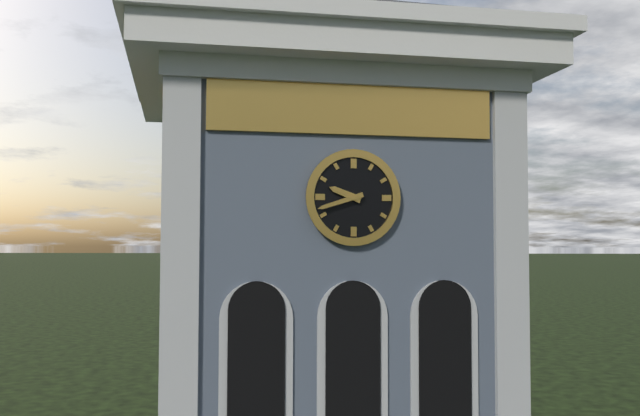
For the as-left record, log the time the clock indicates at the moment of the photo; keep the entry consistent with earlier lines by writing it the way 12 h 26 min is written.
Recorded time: 9 h 42 min
